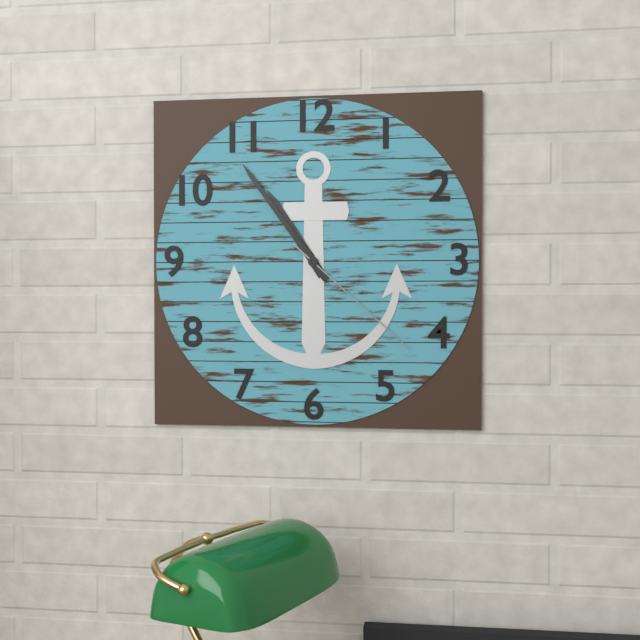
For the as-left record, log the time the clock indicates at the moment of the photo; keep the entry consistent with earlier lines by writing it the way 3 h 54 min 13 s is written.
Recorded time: 10 h 54 min 22 s
